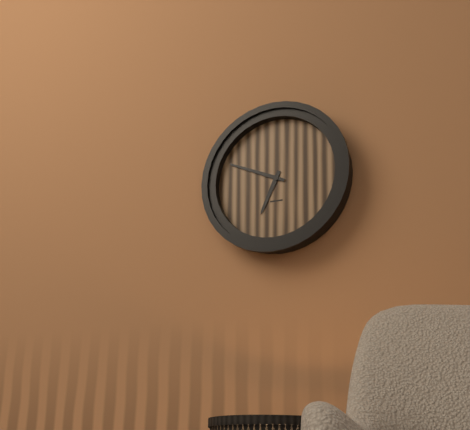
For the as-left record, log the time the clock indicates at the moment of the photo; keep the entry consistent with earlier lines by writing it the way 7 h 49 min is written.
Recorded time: 6 h 49 min
